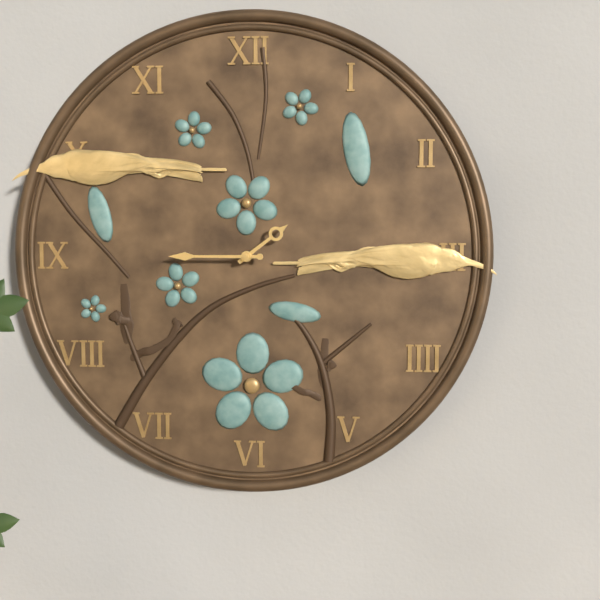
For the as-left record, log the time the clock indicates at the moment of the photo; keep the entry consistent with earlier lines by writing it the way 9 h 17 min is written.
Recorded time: 1 h 45 min
